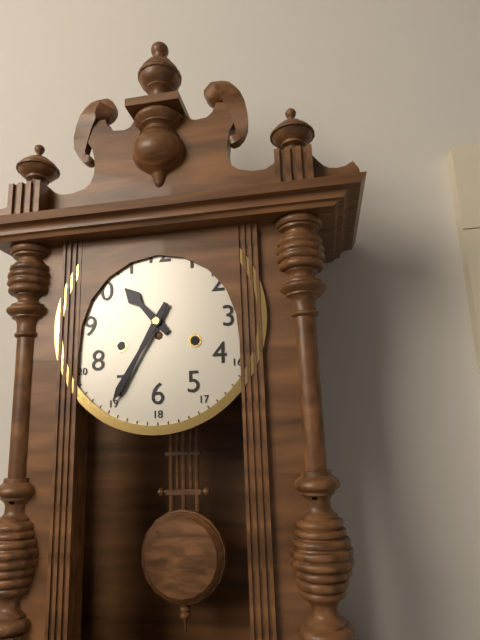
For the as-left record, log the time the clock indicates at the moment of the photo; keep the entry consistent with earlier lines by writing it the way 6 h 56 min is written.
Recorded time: 10 h 35 min
